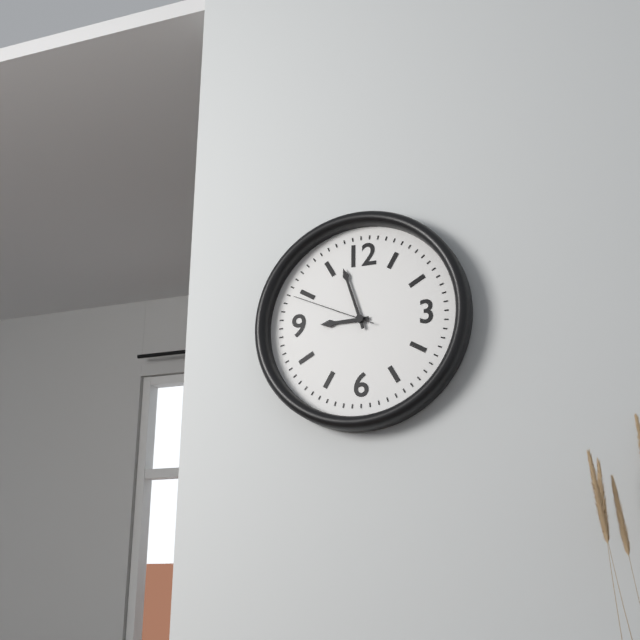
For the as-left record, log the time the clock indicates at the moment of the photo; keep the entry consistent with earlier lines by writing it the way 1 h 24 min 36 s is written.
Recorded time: 8 h 57 min 49 s
